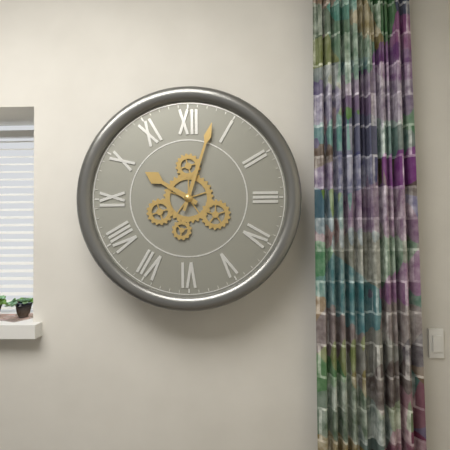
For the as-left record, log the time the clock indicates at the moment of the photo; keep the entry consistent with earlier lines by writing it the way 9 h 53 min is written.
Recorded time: 10 h 03 min
